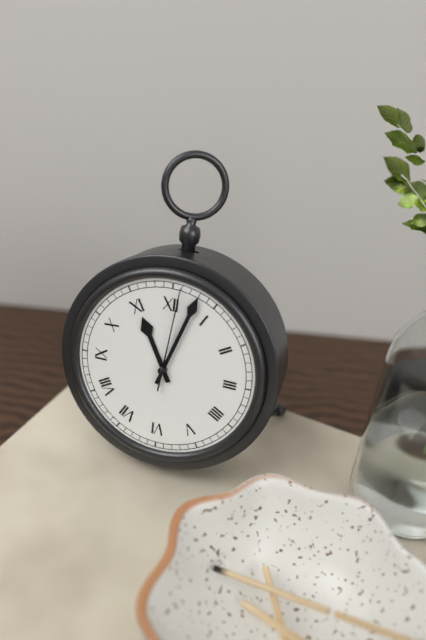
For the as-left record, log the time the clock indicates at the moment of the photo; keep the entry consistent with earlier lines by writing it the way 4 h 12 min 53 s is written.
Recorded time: 11 h 03 min 01 s
